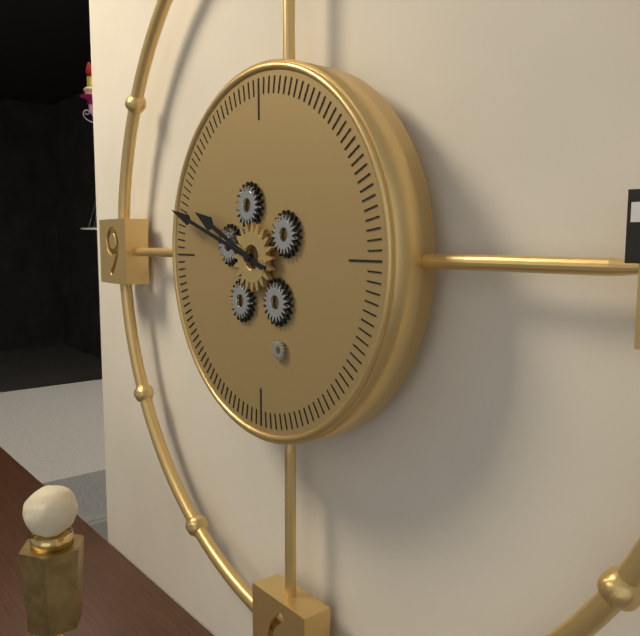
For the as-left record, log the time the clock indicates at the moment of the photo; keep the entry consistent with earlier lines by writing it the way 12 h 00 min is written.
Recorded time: 9 h 48 min
